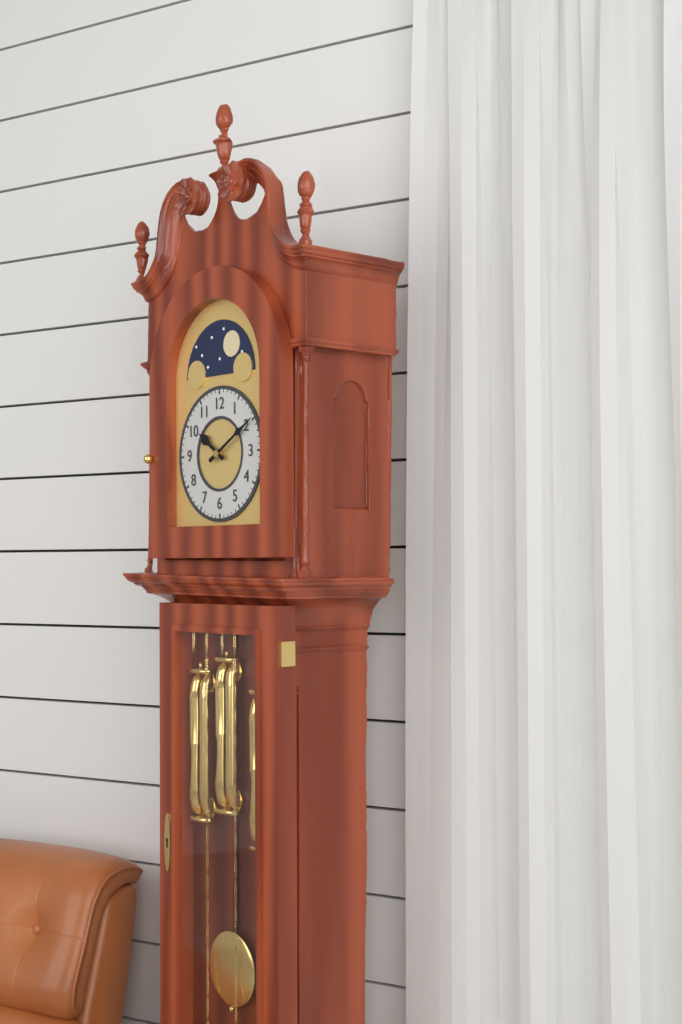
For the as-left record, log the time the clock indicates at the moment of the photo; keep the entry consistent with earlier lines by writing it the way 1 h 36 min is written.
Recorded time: 10 h 10 min
